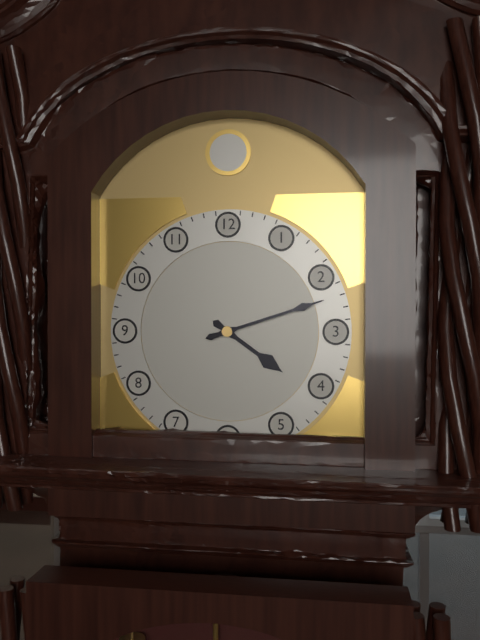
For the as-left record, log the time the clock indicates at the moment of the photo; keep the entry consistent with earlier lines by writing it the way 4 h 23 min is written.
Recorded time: 4 h 12 min
